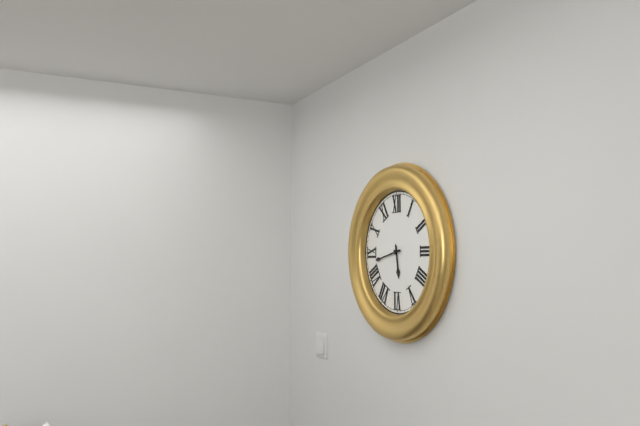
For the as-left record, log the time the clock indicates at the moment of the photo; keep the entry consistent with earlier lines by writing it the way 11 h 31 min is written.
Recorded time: 5 h 43 min
